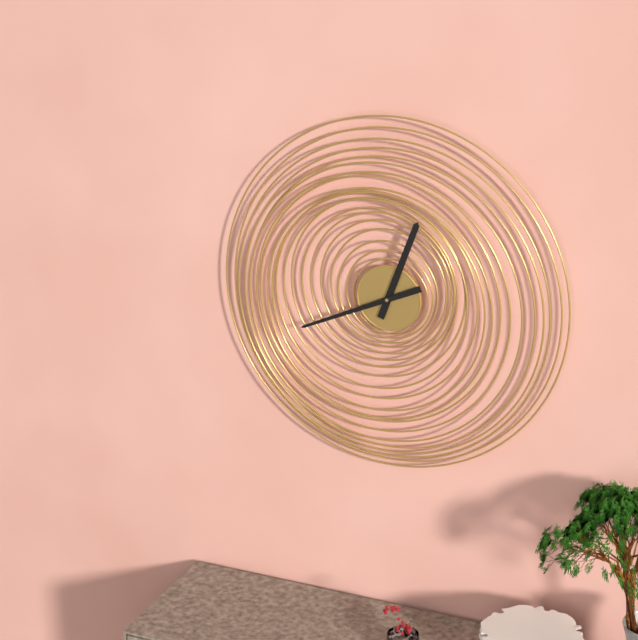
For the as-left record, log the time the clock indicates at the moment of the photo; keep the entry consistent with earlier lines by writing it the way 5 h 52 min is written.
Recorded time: 12 h 41 min
